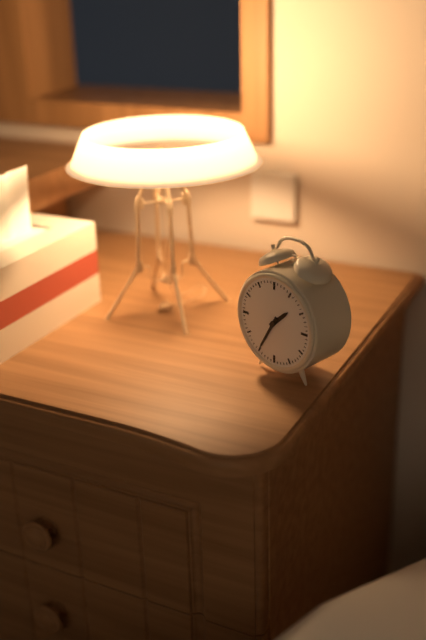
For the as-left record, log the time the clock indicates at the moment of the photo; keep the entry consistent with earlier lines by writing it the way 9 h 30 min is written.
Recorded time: 1 h 35 min
